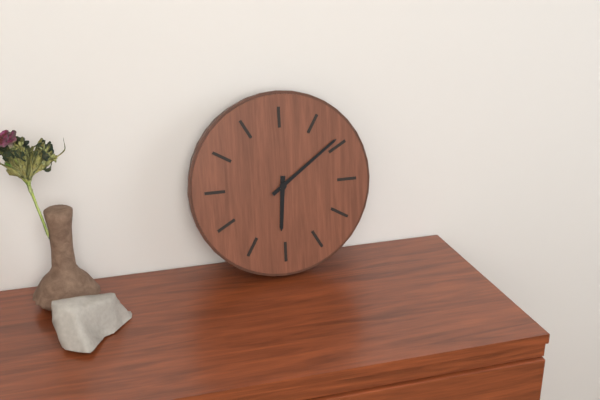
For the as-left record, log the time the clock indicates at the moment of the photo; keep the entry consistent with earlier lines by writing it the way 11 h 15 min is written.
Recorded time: 6 h 09 min
